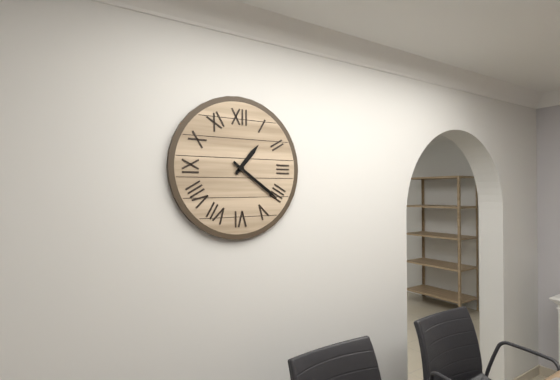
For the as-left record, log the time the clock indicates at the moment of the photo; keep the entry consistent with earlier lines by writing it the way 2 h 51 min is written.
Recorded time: 1 h 21 min
